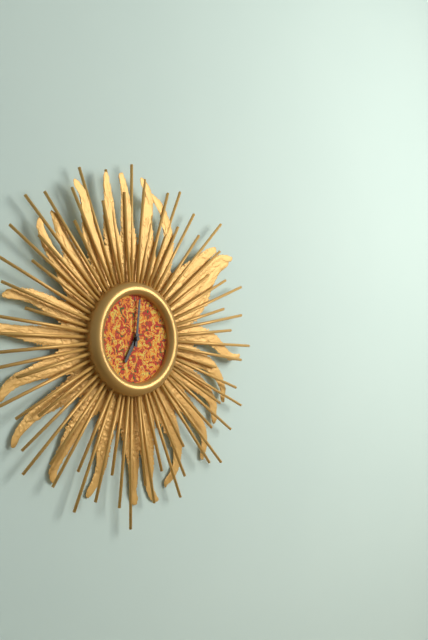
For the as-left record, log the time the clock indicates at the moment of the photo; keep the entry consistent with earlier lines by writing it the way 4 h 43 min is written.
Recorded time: 7 h 01 min
